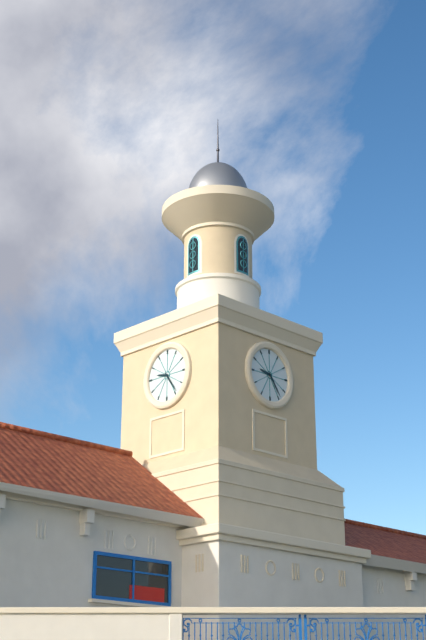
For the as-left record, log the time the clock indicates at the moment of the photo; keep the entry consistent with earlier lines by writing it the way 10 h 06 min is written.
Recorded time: 9 h 24 min
